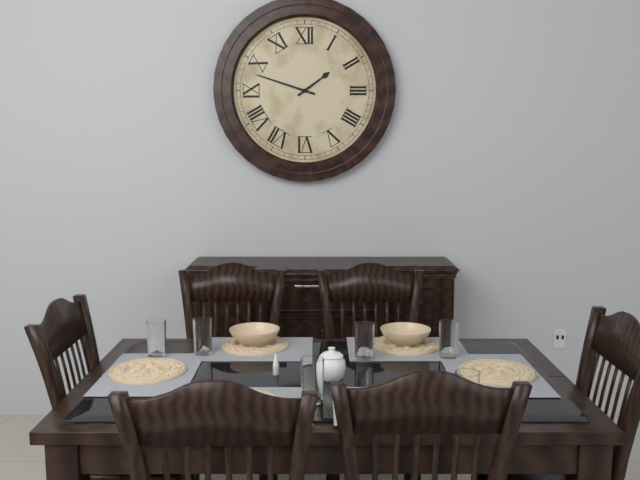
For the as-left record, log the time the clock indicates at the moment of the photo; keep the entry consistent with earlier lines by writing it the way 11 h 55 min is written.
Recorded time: 1 h 48 min
